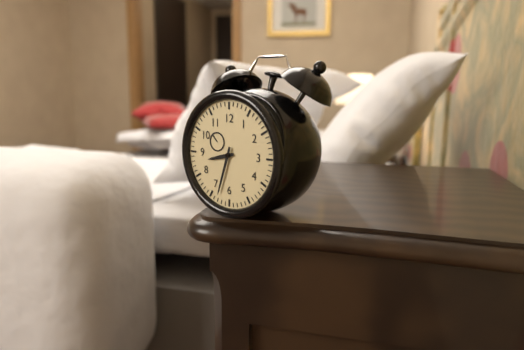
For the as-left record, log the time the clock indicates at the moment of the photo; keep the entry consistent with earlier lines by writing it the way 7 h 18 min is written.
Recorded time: 8 h 33 min
